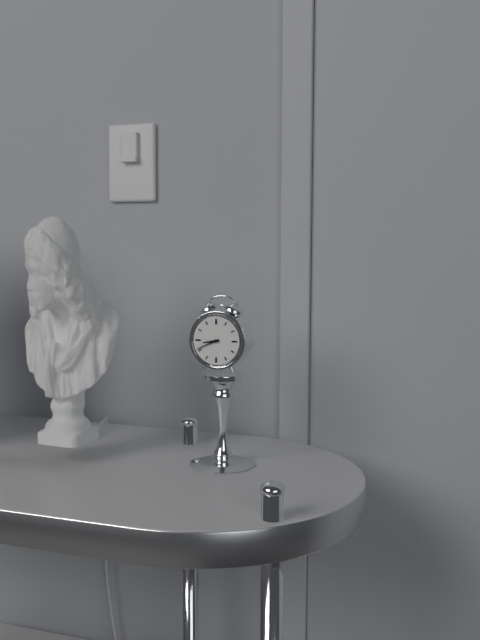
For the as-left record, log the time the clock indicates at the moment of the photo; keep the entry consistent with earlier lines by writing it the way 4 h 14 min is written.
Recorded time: 8 h 41 min
